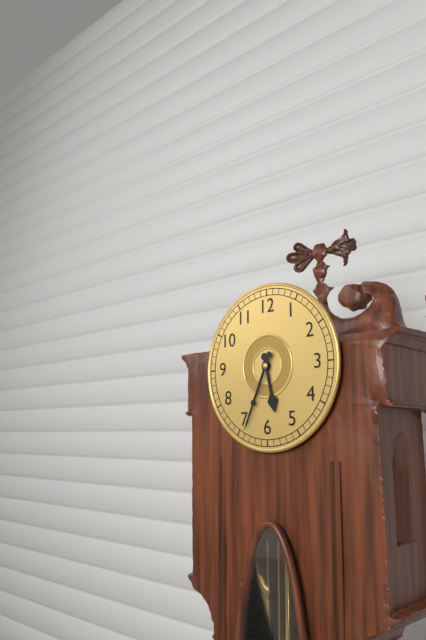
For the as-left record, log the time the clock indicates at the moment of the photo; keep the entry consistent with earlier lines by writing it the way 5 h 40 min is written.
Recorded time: 5 h 34 min
